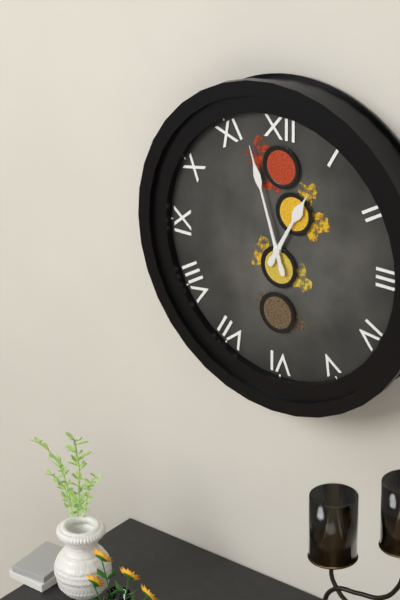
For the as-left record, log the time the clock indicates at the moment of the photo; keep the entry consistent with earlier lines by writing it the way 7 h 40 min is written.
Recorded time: 12 h 57 min
